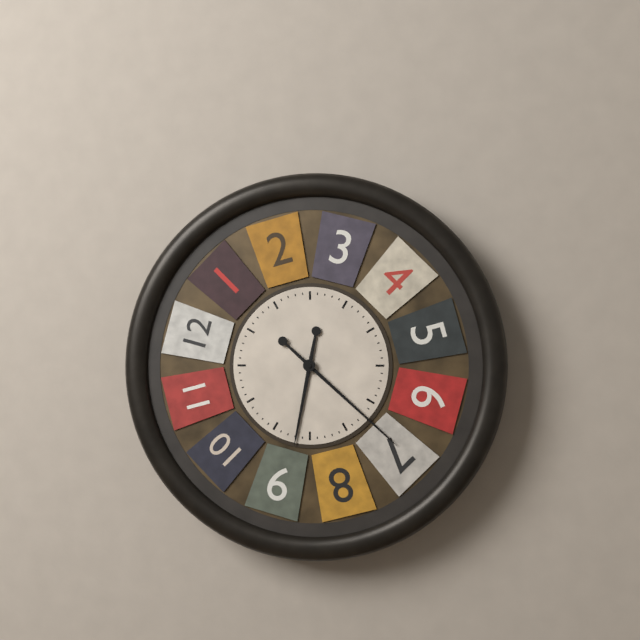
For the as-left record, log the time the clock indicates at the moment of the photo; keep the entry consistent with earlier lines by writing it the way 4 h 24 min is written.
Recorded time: 6 h 22 min
